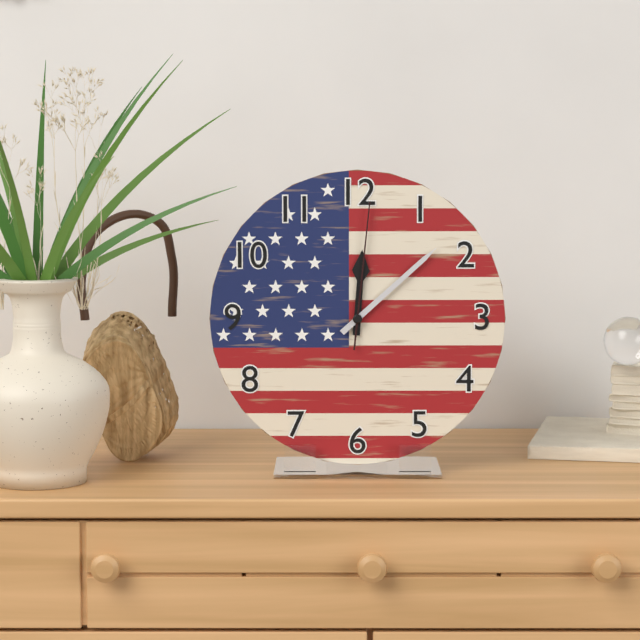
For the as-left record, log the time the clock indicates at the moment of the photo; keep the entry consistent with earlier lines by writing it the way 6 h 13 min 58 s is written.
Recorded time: 12 h 08 min 01 s
